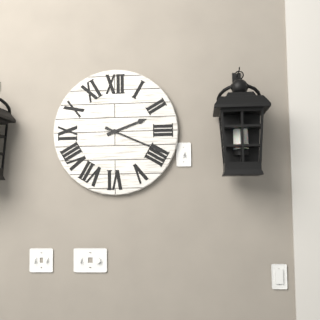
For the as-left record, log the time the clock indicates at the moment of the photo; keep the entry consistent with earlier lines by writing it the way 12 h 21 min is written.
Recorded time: 2 h 19 min
